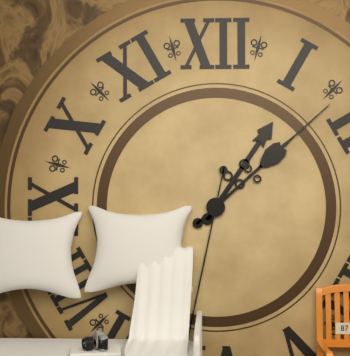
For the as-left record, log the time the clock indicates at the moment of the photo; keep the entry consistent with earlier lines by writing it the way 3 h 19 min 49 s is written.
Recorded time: 1 h 08 min 32 s
